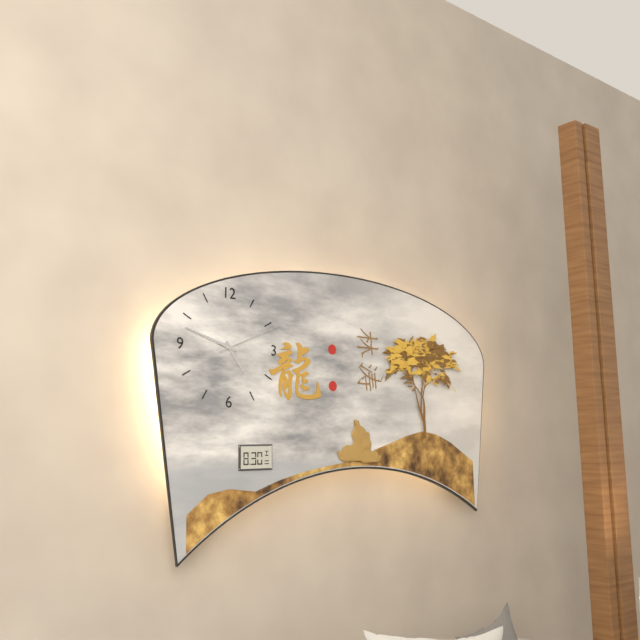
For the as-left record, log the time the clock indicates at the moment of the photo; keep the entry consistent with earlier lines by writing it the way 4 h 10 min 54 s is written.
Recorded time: 4 h 48 min 11 s
